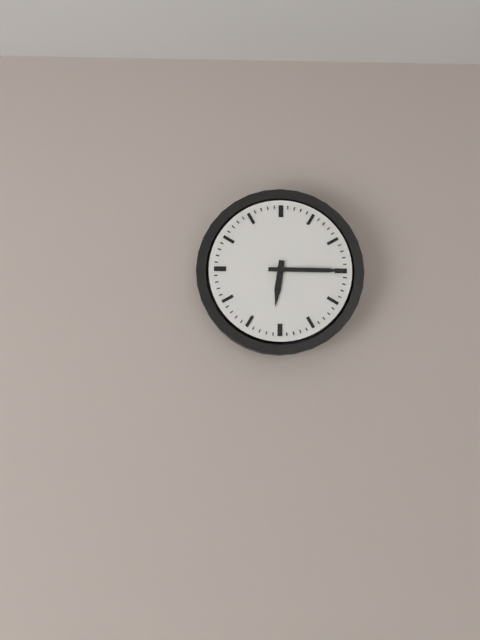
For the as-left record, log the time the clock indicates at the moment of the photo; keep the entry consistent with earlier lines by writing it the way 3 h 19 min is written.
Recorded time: 6 h 15 min
